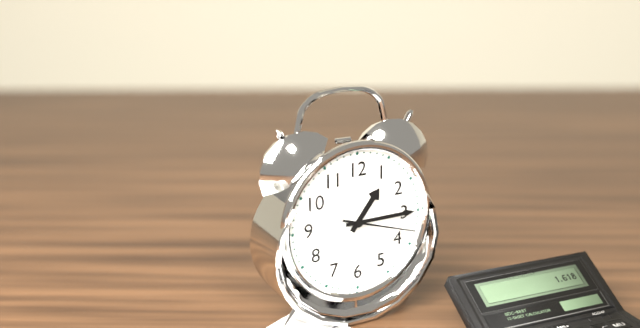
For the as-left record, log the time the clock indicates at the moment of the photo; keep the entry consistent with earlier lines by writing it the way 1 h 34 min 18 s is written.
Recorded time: 1 h 15 min 18 s
